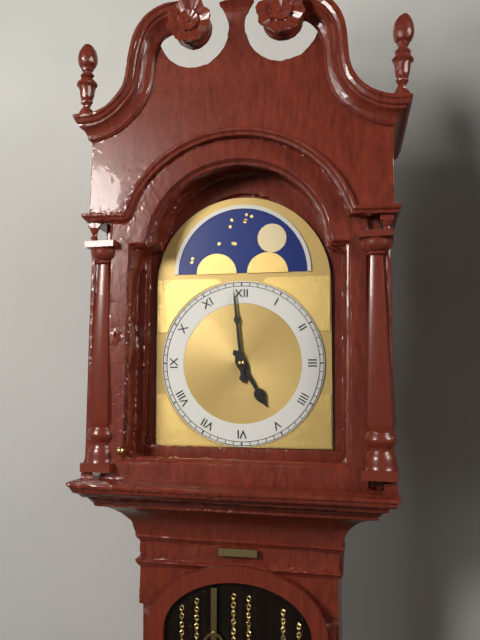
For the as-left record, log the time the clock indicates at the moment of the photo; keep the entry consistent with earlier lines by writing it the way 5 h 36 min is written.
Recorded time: 4 h 59 min
